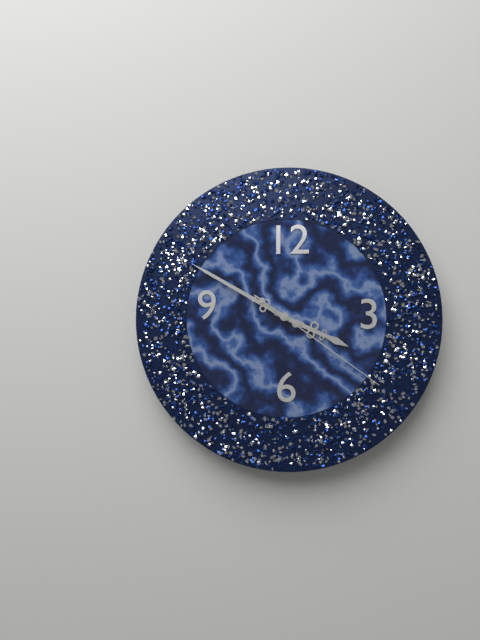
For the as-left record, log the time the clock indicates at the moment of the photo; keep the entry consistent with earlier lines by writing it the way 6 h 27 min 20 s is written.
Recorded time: 3 h 50 min 21 s
